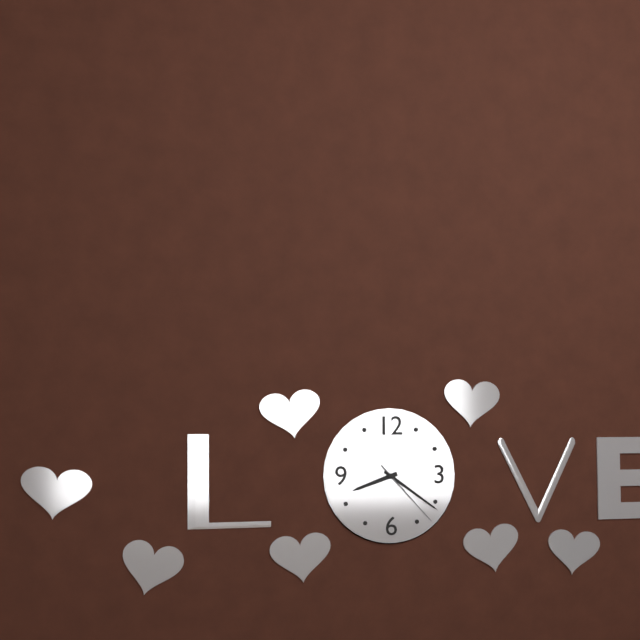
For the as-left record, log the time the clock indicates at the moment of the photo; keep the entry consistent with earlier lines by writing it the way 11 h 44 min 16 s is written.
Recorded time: 8 h 21 min 23 s
